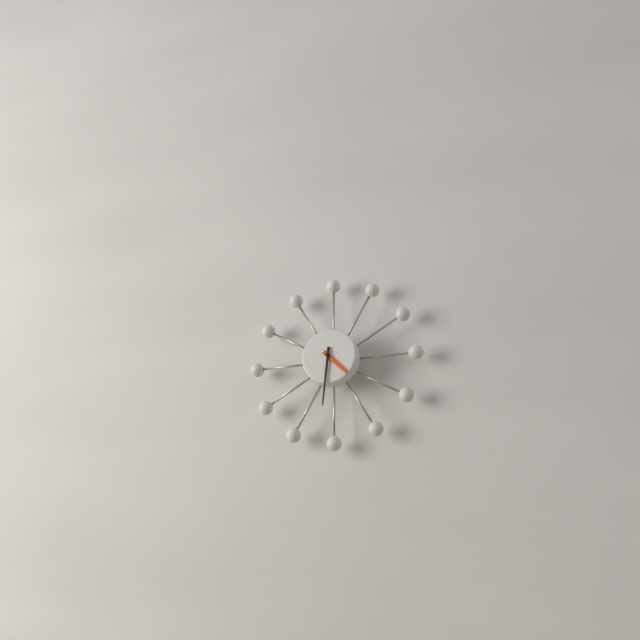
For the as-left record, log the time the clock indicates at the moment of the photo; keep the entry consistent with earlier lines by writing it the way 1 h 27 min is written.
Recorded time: 4 h 31 min
